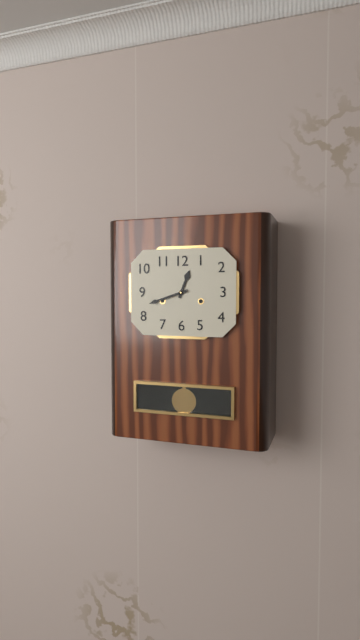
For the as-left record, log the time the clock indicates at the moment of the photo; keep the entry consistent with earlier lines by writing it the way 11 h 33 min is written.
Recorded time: 12 h 42 min
